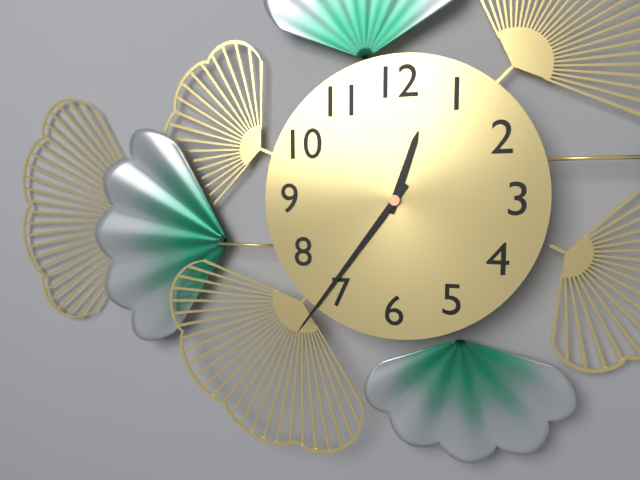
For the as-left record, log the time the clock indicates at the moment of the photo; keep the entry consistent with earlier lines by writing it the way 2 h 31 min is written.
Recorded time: 12 h 36 min
